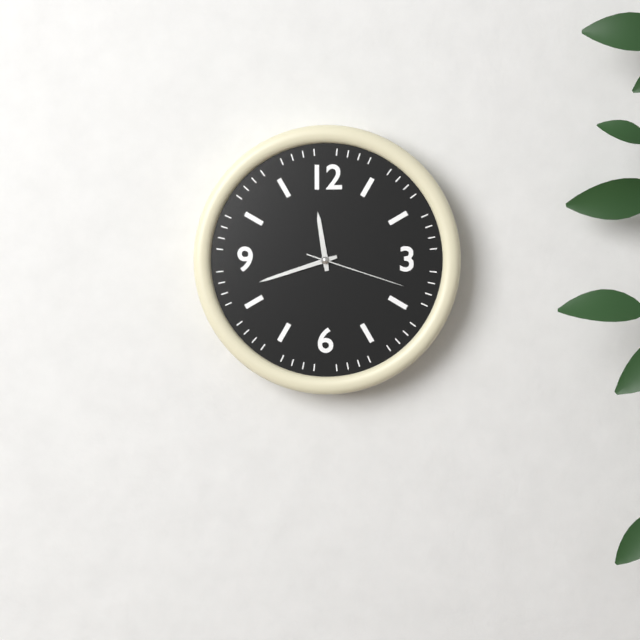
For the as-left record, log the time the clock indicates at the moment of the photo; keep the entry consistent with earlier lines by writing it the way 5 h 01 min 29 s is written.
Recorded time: 11 h 42 min 18 s
